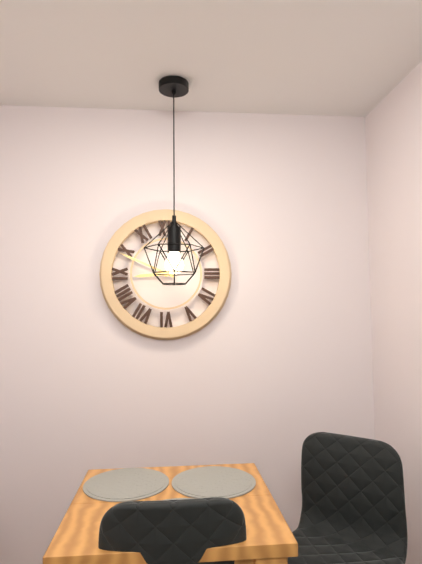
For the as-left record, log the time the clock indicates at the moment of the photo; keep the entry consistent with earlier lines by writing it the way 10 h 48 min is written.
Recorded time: 8 h 49 min
